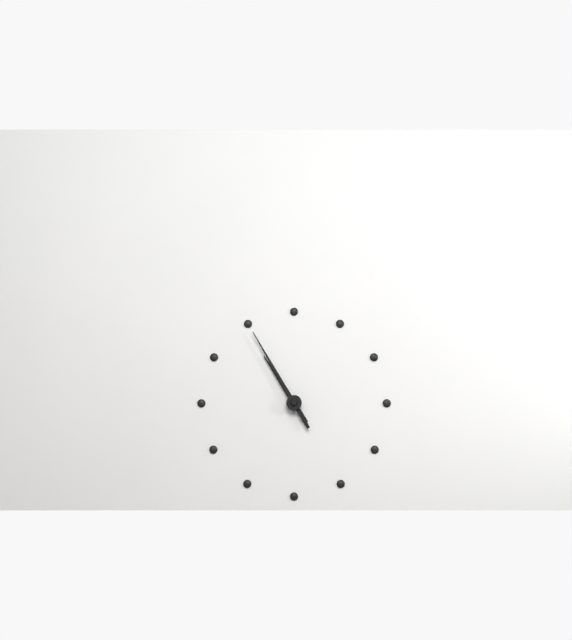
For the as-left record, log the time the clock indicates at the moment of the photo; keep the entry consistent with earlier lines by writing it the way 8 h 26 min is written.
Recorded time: 10 h 55 min
